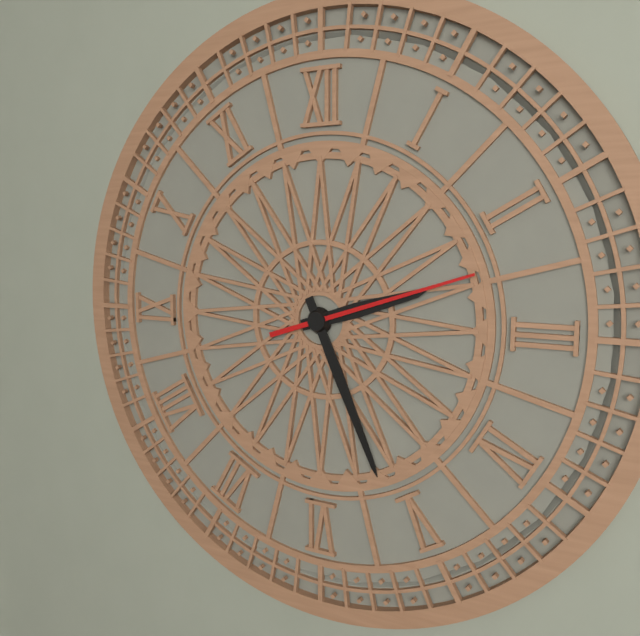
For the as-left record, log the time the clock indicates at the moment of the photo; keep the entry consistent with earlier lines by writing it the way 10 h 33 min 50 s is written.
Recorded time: 2 h 26 min 12 s
